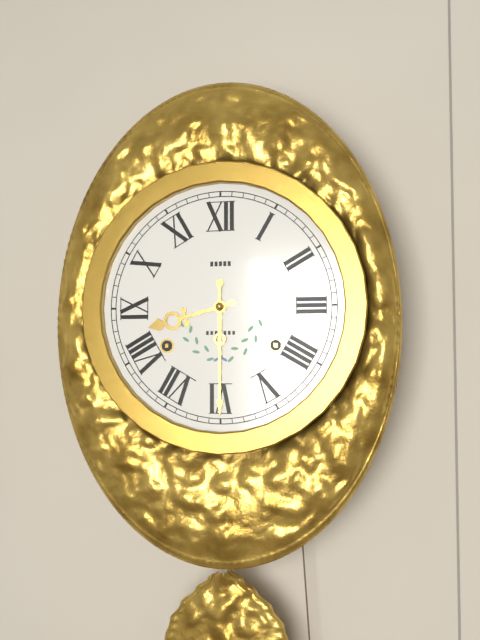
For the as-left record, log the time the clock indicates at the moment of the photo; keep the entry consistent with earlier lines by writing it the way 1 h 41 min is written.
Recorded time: 8 h 30 min
